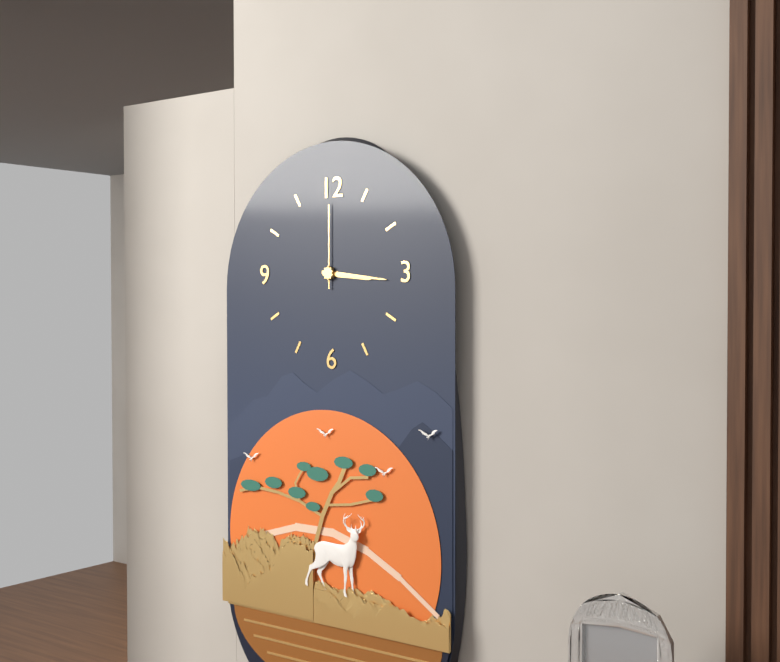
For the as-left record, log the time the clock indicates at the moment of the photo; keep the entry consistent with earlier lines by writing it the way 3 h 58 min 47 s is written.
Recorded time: 3 h 16 min 00 s
